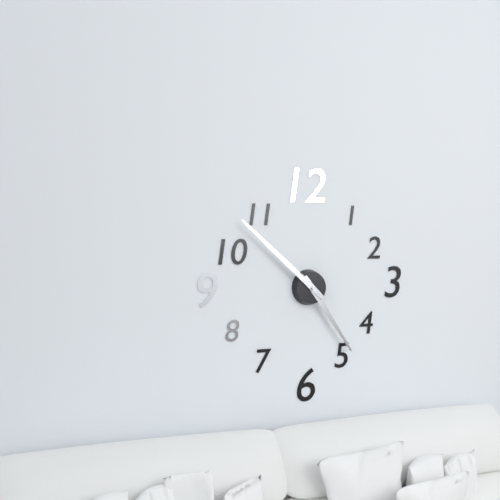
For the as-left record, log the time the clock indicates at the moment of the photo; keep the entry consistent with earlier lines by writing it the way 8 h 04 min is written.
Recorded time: 4 h 52 min
